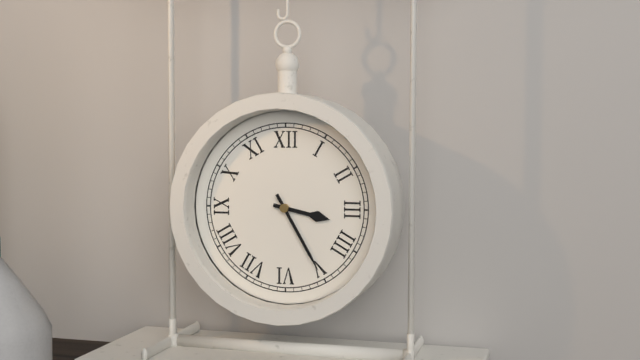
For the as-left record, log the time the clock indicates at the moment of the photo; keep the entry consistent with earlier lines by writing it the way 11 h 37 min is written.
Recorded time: 3 h 25 min
